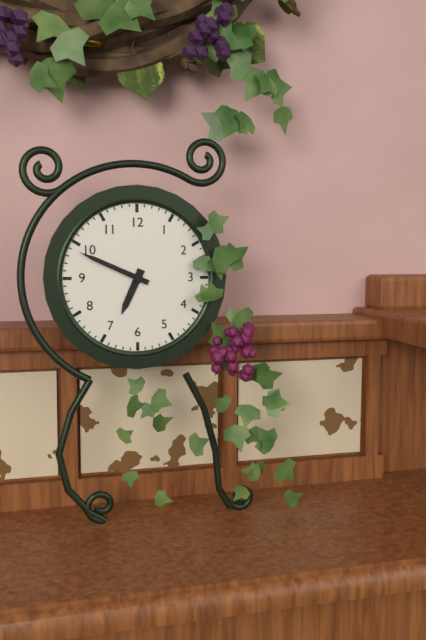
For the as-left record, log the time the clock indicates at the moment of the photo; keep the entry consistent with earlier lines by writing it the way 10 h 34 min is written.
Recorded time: 6 h 49 min
